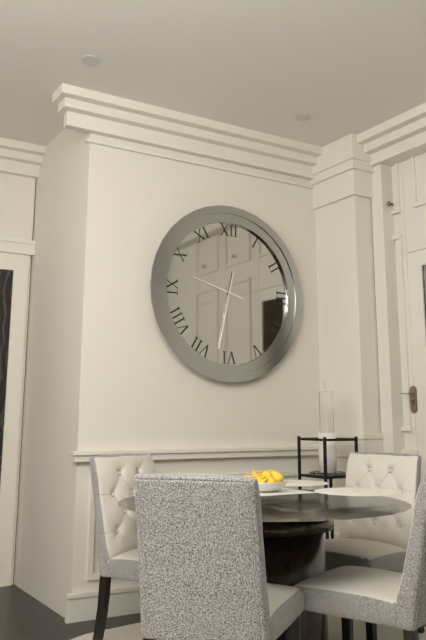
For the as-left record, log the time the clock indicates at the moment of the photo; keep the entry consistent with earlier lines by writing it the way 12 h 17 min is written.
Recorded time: 9 h 32 min
